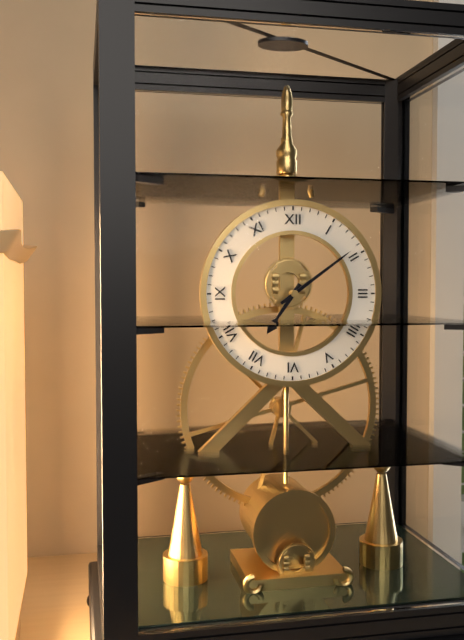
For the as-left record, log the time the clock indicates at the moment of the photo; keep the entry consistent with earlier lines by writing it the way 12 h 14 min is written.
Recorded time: 7 h 09 min
